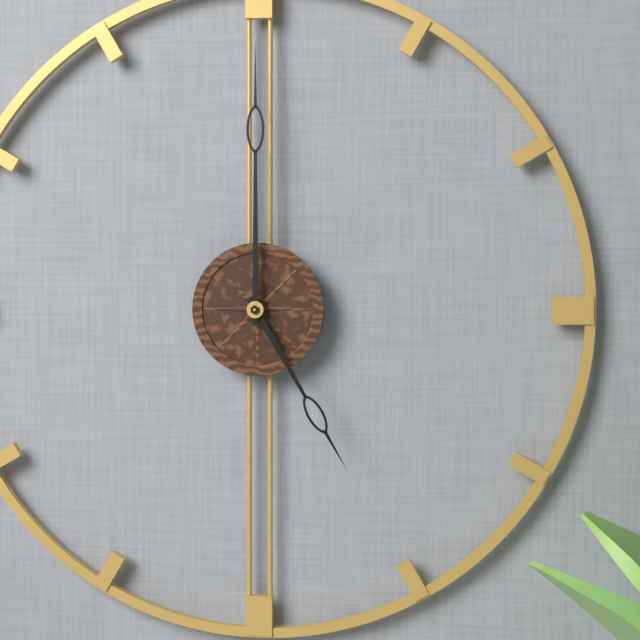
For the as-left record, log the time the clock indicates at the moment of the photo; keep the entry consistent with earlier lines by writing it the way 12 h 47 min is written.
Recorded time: 5 h 00 min
